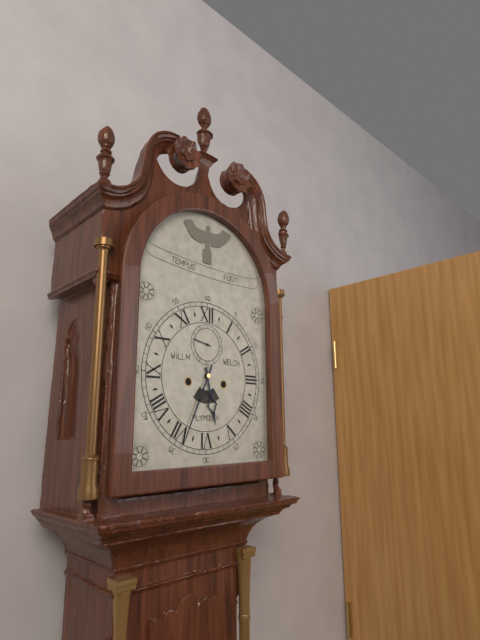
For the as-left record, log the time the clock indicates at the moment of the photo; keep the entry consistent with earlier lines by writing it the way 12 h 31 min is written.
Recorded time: 5 h 34 min
